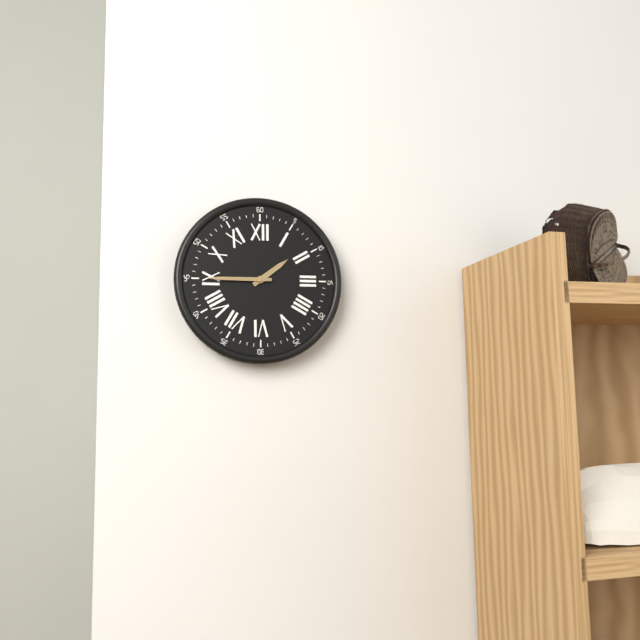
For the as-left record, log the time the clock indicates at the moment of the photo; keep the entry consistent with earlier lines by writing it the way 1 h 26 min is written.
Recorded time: 1 h 45 min
